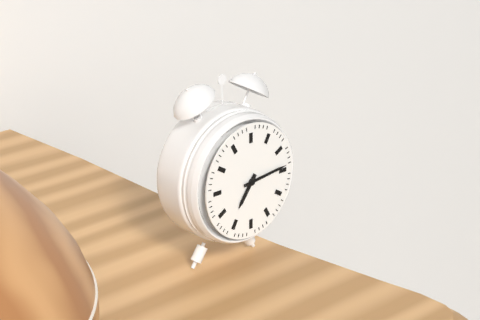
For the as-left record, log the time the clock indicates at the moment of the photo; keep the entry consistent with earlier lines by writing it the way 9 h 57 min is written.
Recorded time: 7 h 14 min
